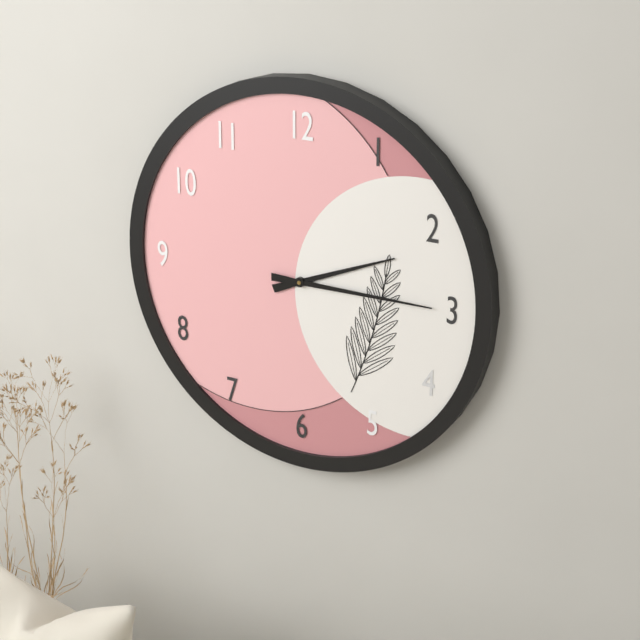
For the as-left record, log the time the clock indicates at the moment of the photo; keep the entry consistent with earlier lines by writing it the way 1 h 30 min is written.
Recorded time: 2 h 15 min
